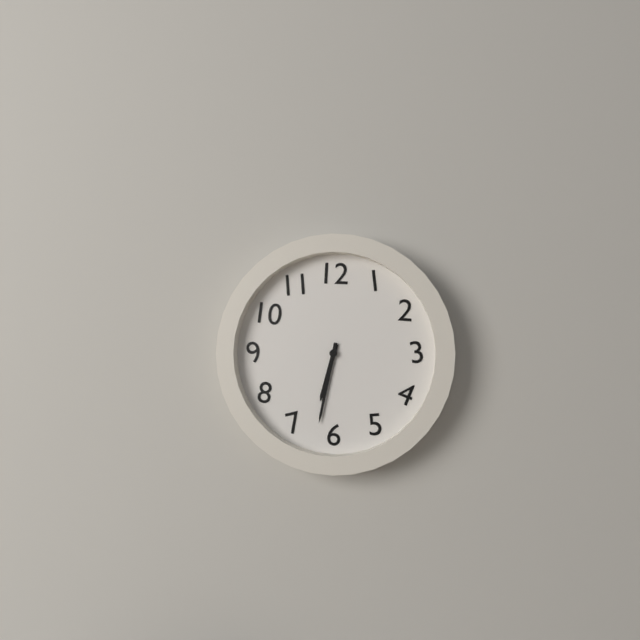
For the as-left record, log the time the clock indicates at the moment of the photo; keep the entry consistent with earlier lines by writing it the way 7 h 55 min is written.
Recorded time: 6 h 32 min
